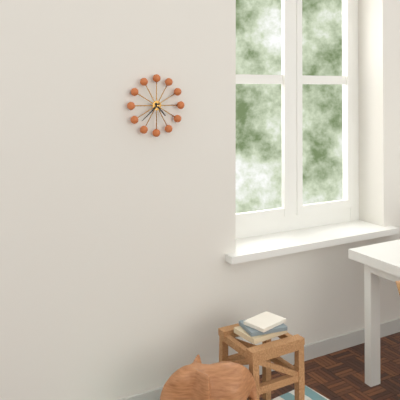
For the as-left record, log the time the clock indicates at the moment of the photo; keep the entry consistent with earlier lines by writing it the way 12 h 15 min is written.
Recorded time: 4 h 38 min
